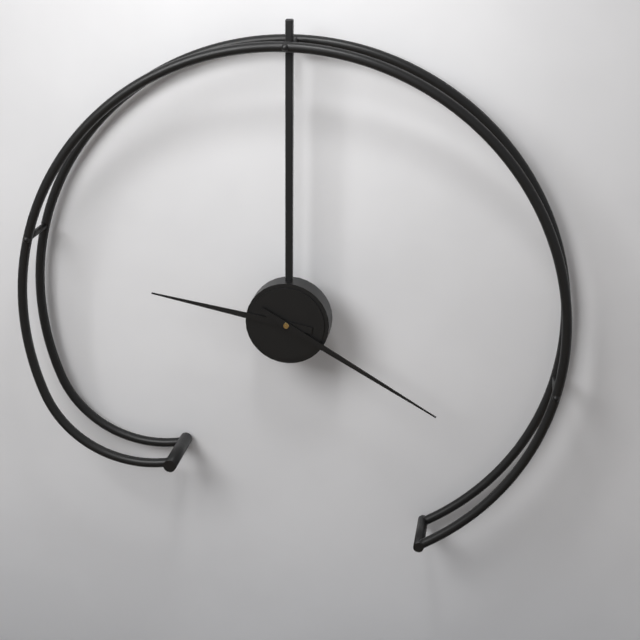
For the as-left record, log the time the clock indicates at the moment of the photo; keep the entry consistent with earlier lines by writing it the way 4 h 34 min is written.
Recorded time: 9 h 20 min
